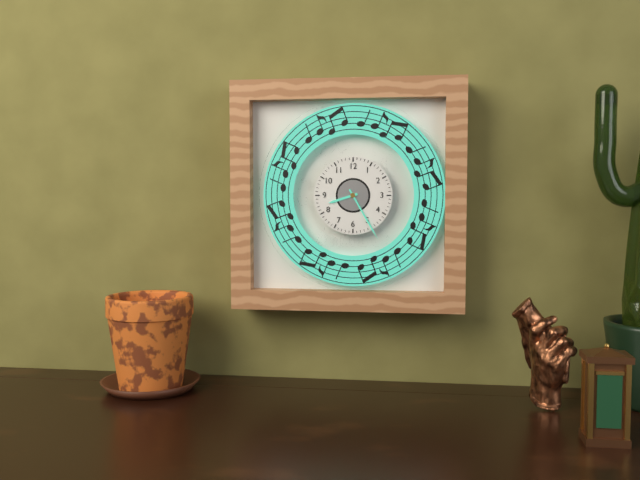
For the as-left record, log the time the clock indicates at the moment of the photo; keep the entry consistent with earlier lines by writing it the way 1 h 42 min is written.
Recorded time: 8 h 25 min
